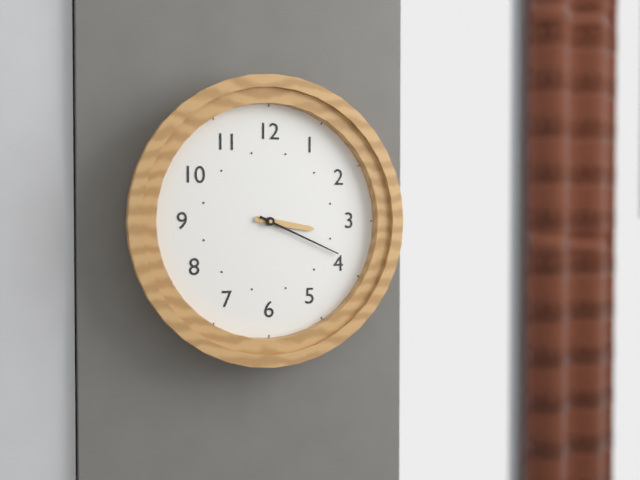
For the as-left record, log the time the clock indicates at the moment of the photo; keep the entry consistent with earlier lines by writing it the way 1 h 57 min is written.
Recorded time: 3 h 19 min
